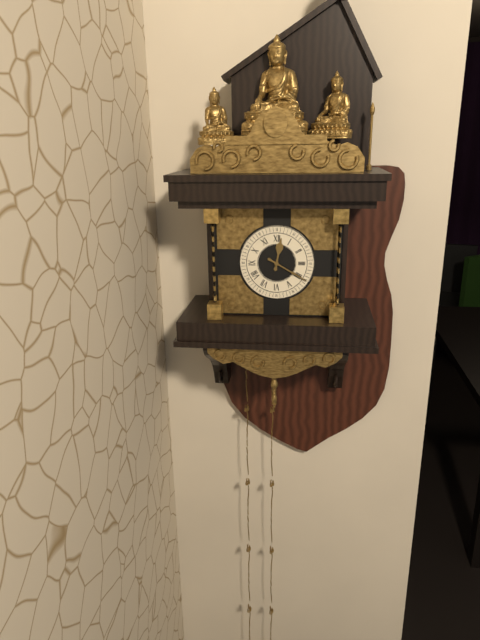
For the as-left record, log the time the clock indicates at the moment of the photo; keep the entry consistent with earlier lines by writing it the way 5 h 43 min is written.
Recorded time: 12 h 20 min
